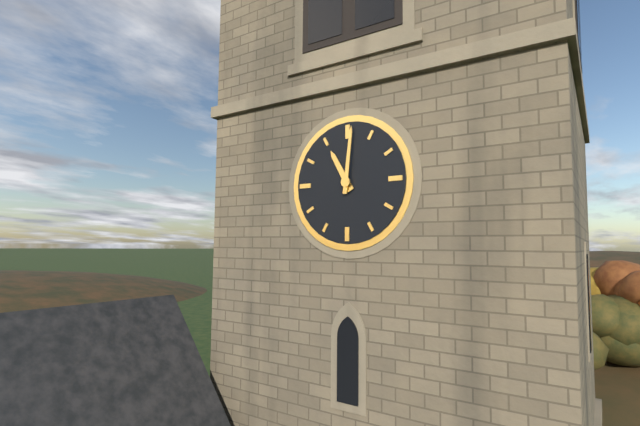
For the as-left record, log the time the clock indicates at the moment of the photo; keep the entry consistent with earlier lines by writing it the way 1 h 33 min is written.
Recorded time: 11 h 01 min
